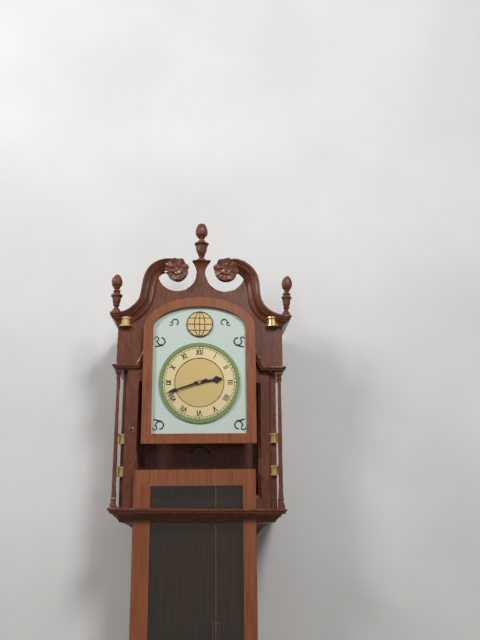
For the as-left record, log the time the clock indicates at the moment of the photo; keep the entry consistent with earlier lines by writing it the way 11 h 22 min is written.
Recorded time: 2 h 42 min
